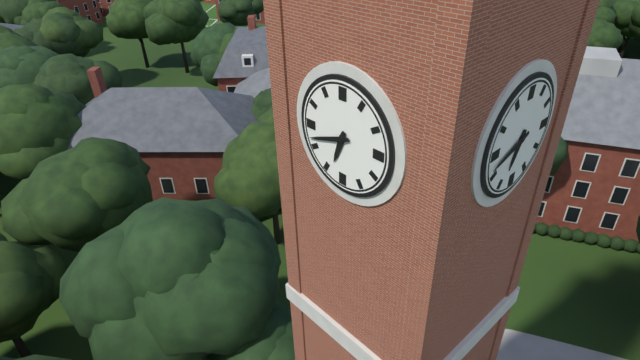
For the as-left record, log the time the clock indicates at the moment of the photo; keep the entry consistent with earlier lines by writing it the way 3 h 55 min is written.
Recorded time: 6 h 42 min
